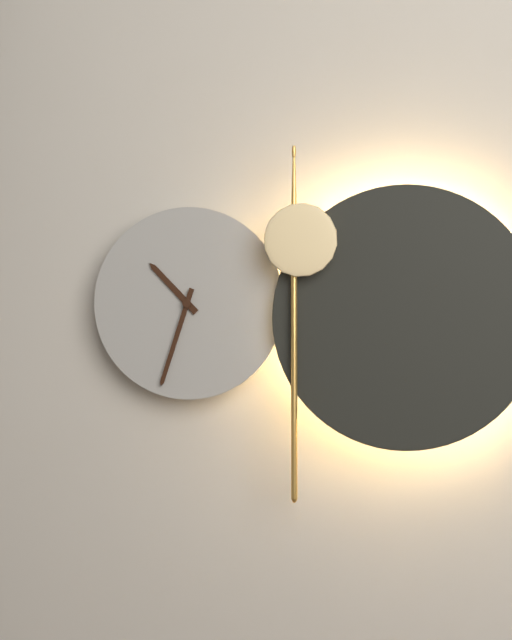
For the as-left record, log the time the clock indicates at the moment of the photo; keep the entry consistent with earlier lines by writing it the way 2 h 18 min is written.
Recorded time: 10 h 33 min
